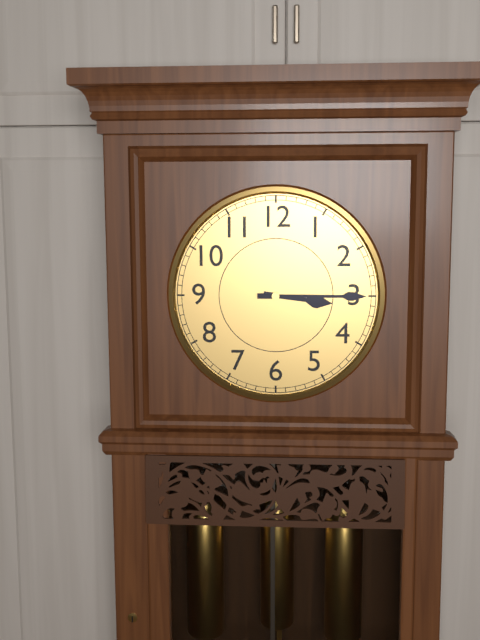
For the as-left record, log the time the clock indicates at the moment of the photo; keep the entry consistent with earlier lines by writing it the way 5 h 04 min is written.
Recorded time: 3 h 15 min
